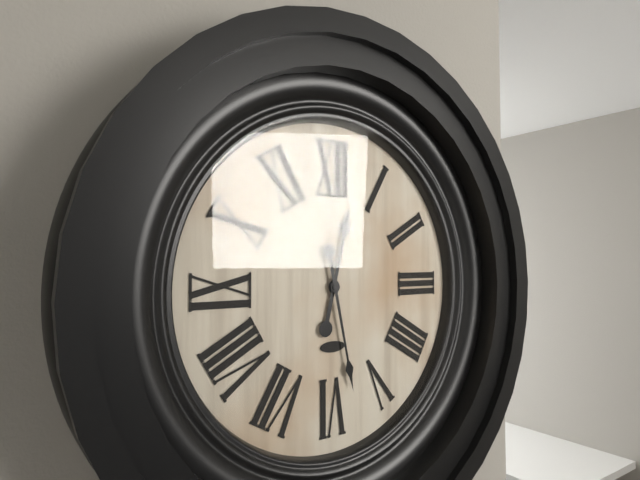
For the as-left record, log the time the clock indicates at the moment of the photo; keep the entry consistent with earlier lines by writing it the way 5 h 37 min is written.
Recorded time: 12 h 28 min
